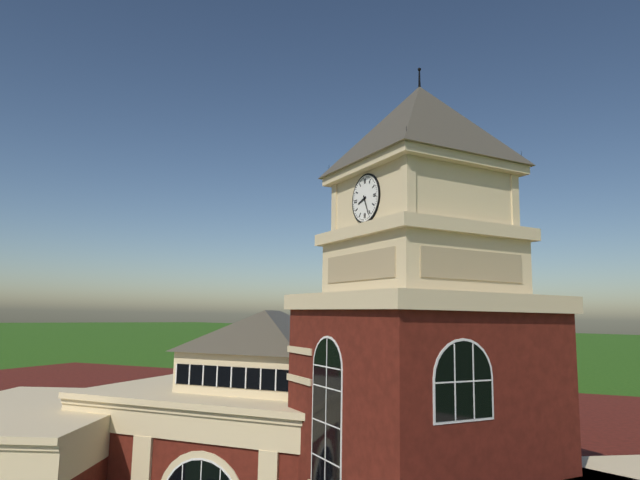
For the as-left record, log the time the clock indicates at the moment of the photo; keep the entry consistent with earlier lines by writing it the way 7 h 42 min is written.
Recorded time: 8 h 26 min
